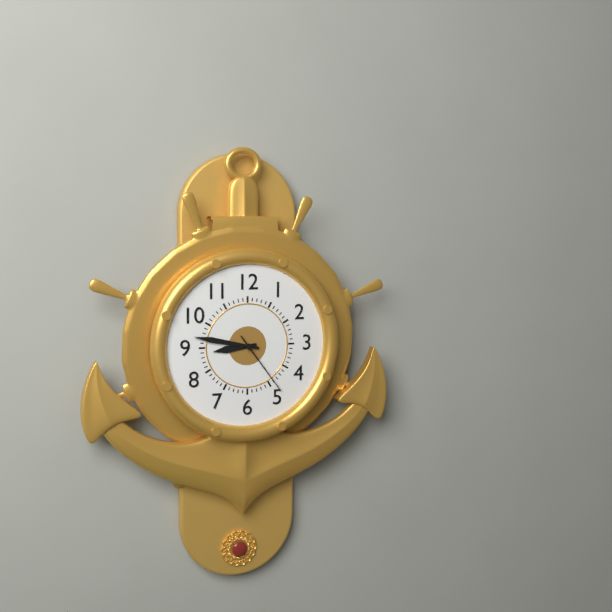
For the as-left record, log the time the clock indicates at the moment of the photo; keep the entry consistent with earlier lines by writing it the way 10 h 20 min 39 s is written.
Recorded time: 8 h 47 min 24 s
